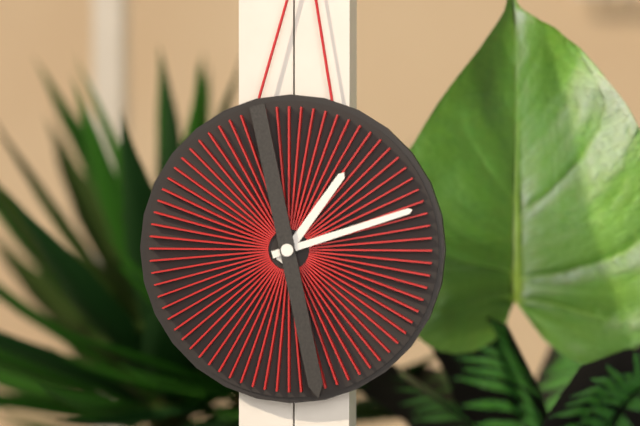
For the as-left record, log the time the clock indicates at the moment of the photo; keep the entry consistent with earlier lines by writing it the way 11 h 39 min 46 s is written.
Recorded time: 1 h 12 min 28 s
